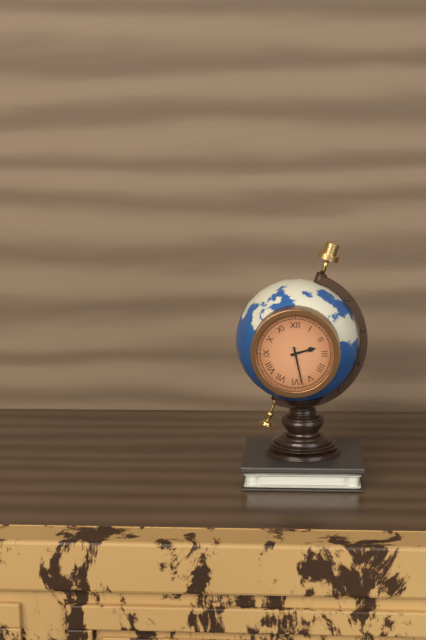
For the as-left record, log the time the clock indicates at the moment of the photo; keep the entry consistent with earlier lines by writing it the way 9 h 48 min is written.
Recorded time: 2 h 28 min
